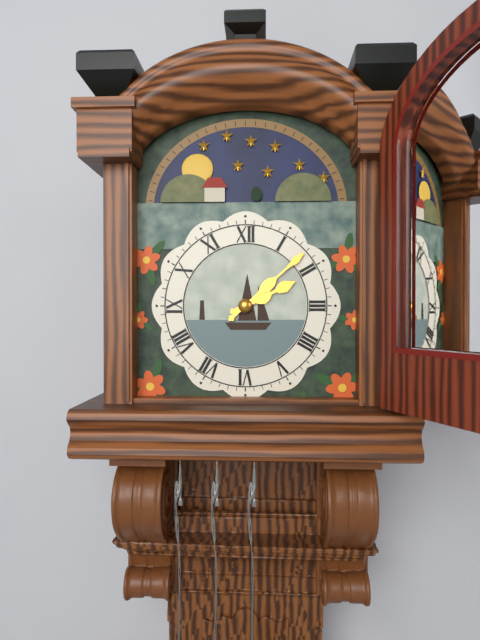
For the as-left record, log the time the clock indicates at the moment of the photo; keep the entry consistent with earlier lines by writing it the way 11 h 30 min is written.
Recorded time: 2 h 08 min
